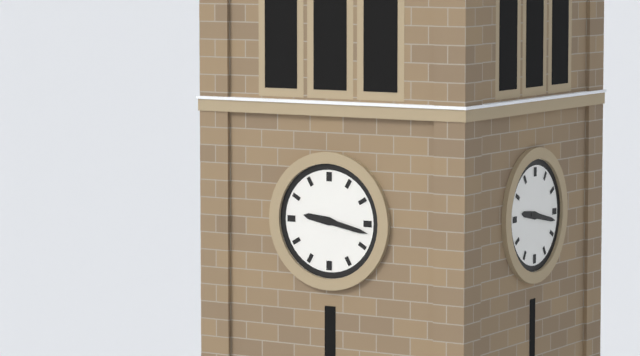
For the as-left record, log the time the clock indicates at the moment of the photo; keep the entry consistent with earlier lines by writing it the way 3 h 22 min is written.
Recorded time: 9 h 17 min
